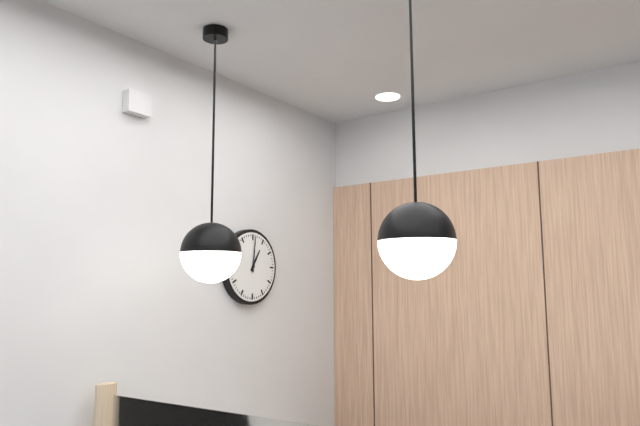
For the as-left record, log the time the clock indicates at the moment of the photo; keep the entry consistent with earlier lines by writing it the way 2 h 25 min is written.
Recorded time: 1 h 01 min
